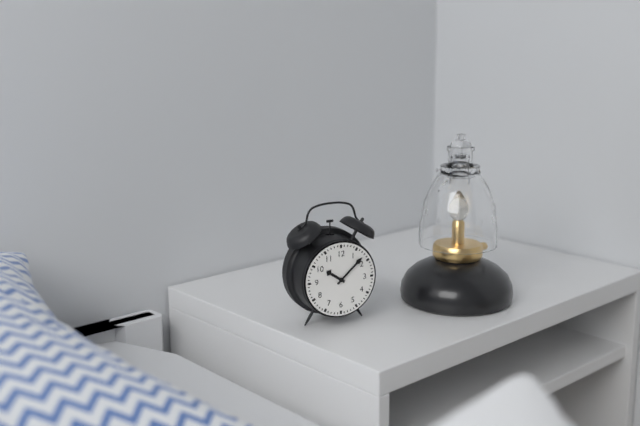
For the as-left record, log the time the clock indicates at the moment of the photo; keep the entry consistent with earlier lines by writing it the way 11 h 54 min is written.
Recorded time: 10 h 08 min
